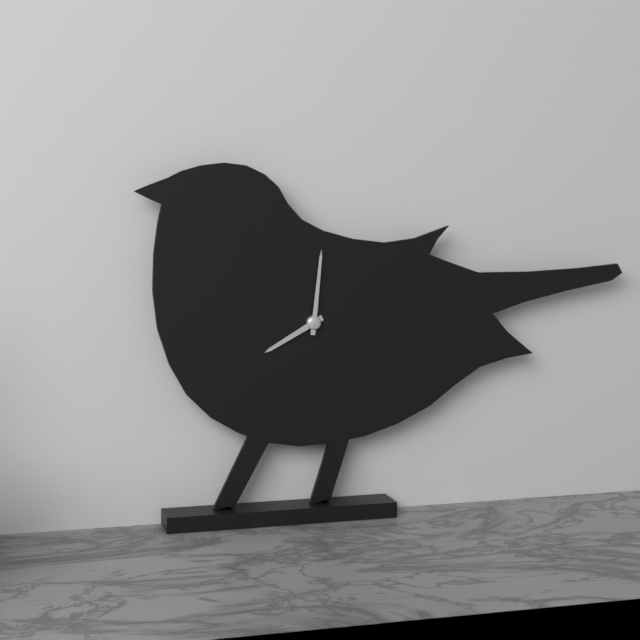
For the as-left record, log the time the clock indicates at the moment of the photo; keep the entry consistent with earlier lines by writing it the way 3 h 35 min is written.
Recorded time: 8 h 01 min
